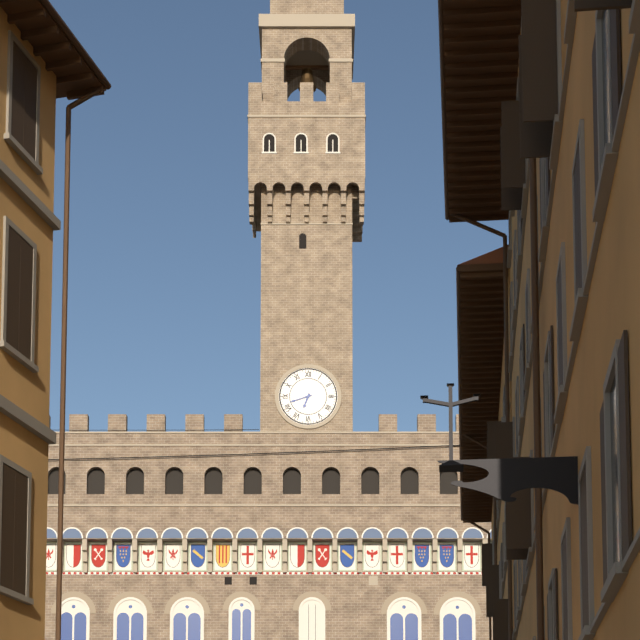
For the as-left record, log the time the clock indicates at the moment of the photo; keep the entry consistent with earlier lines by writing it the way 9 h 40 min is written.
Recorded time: 6 h 42 min
